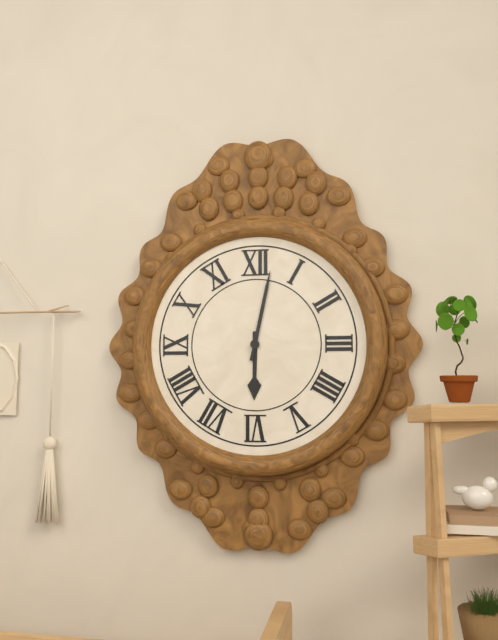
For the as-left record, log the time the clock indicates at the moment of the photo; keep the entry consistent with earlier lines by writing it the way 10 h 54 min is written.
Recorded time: 6 h 02 min
